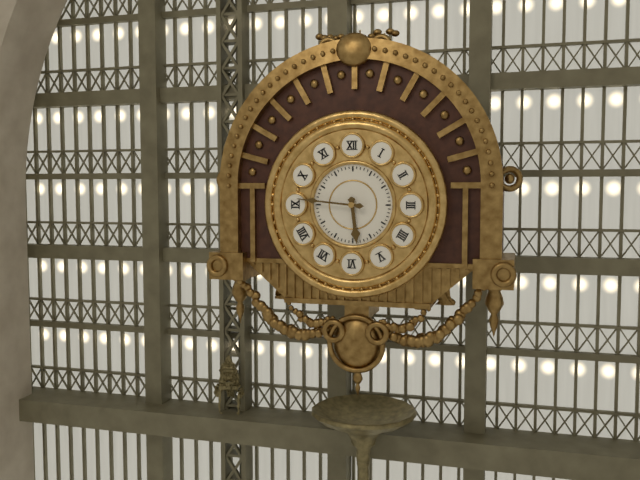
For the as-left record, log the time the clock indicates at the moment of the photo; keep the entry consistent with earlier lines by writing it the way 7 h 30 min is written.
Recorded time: 5 h 46 min
